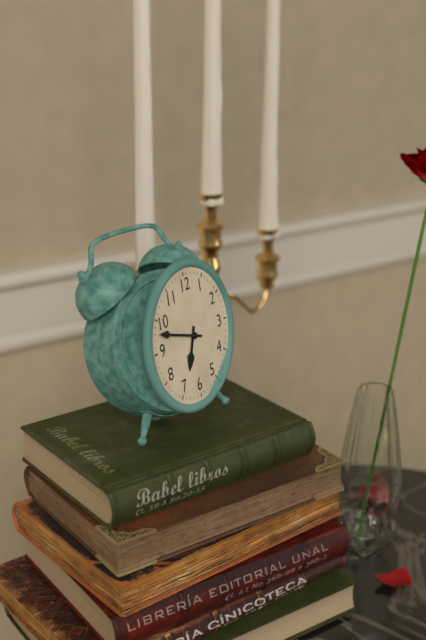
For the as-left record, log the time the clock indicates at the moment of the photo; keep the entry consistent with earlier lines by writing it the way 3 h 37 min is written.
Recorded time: 6 h 48 min
